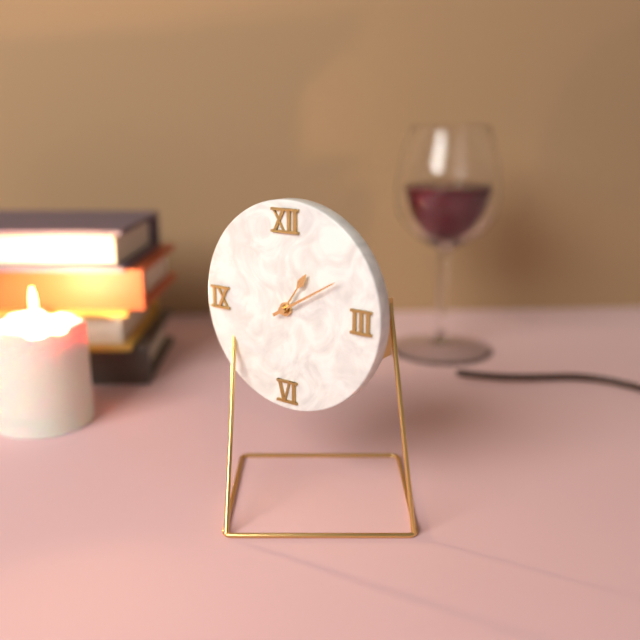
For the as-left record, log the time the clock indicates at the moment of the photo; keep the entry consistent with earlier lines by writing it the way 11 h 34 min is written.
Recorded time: 1 h 10 min
